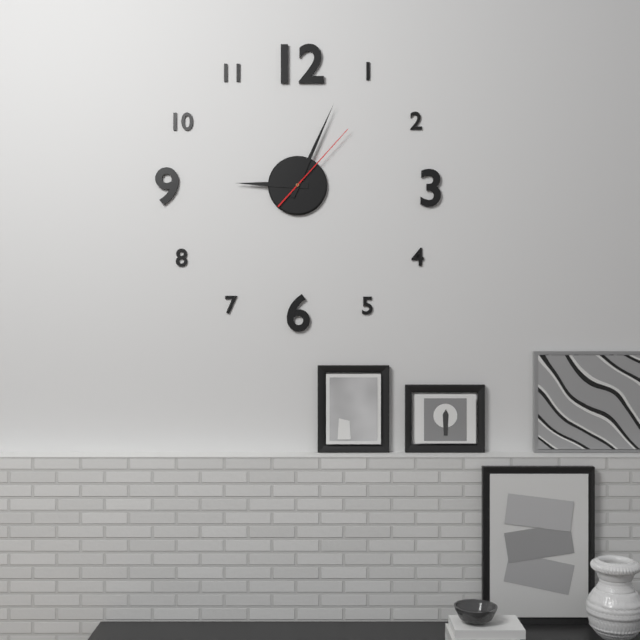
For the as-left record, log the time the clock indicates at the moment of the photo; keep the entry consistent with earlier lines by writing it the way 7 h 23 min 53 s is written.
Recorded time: 9 h 04 min 07 s
